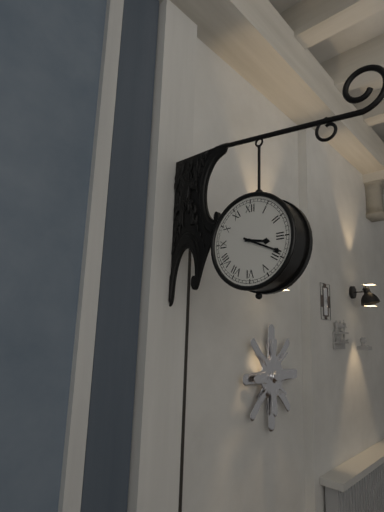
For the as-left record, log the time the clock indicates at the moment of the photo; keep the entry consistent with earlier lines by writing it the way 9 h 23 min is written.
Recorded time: 3 h 19 min
